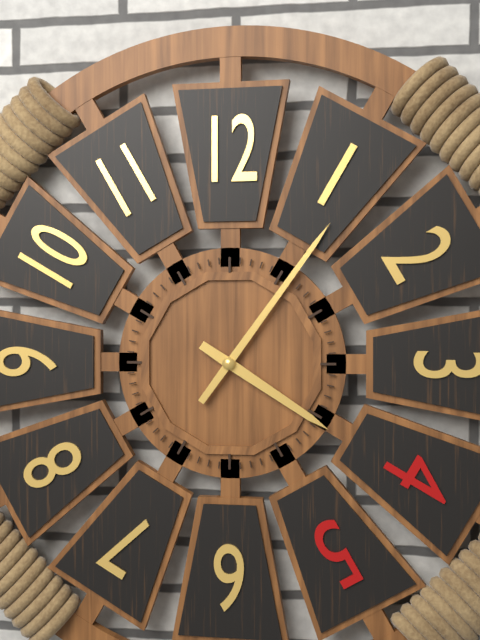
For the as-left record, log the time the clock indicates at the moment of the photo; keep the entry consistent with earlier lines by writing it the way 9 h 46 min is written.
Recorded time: 4 h 06 min
